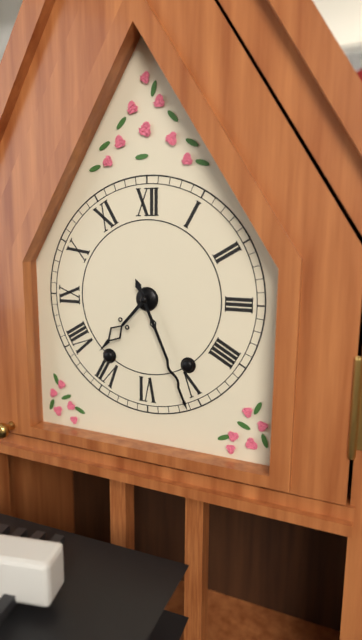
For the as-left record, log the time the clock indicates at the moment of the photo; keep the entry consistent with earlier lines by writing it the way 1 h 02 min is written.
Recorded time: 7 h 26 min
